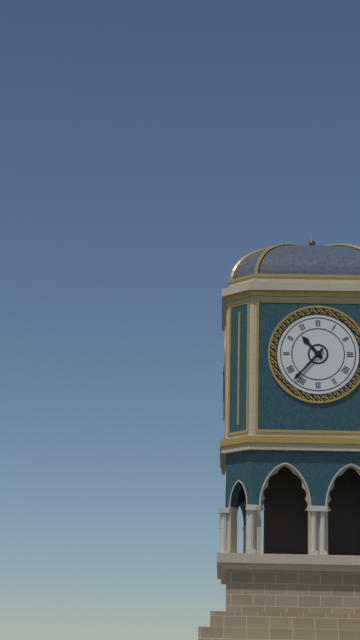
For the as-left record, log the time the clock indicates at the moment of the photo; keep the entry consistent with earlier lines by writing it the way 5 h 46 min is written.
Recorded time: 10 h 37 min
